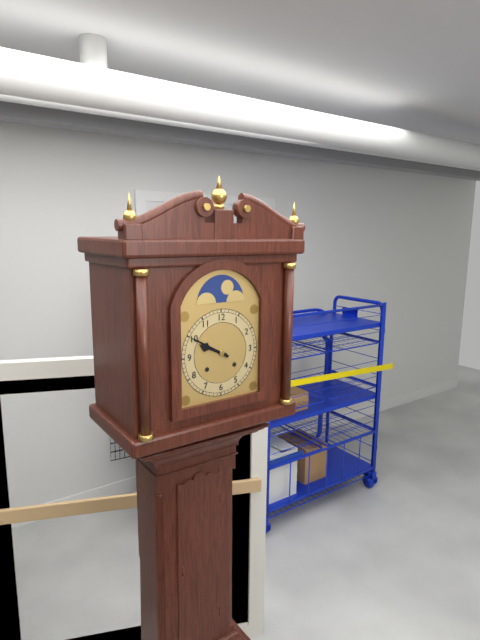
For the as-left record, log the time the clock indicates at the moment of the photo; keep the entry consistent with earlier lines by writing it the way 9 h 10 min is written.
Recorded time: 9 h 50 min
